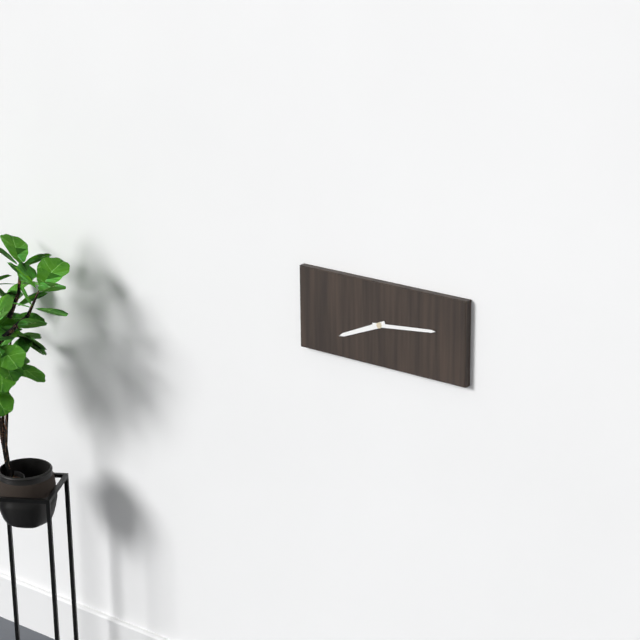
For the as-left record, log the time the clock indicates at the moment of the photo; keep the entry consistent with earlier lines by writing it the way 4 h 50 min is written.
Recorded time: 8 h 14 min
